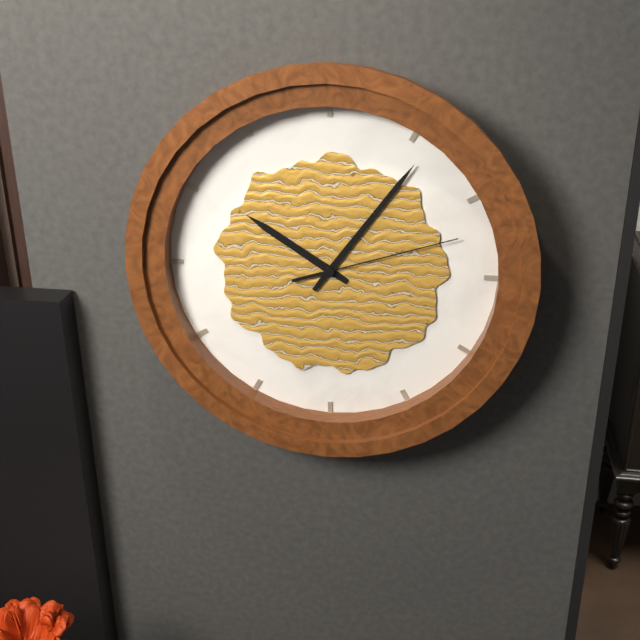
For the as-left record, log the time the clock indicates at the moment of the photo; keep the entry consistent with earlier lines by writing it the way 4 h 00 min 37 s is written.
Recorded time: 10 h 06 min 12 s
